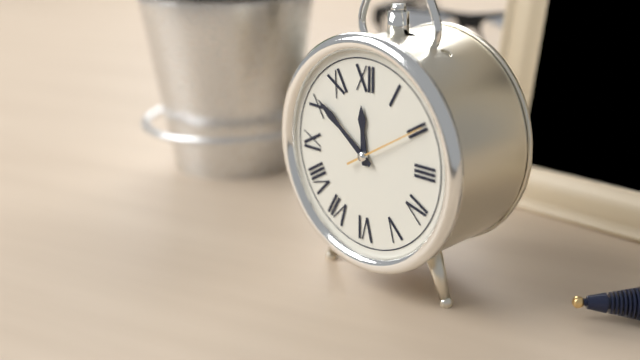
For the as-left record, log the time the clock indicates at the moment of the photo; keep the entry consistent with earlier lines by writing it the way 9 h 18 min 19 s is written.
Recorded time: 11 h 51 min 10 s
